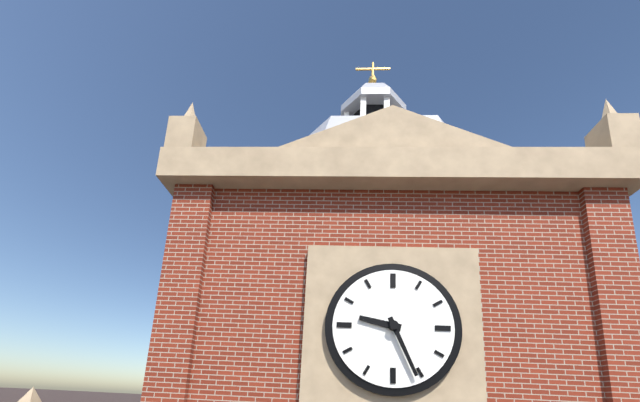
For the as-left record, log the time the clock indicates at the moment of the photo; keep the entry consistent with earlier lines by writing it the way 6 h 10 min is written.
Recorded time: 9 h 26 min
